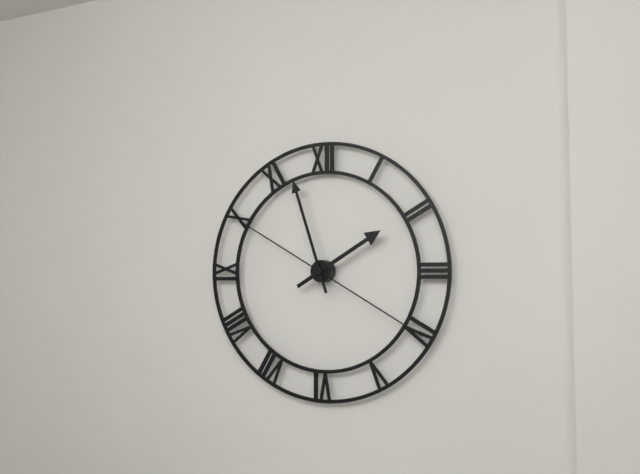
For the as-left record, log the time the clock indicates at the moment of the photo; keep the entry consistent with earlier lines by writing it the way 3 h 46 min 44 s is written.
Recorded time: 1 h 57 min 20 s
